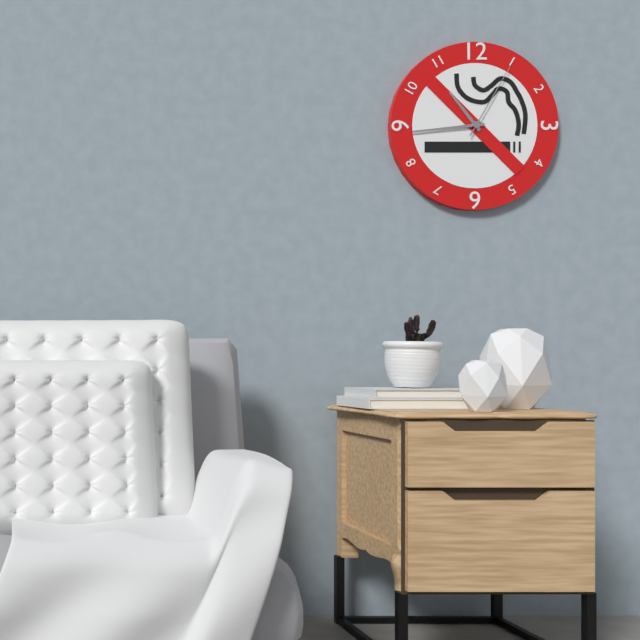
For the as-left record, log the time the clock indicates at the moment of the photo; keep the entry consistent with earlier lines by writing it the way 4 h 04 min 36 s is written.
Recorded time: 10 h 44 min 05 s
